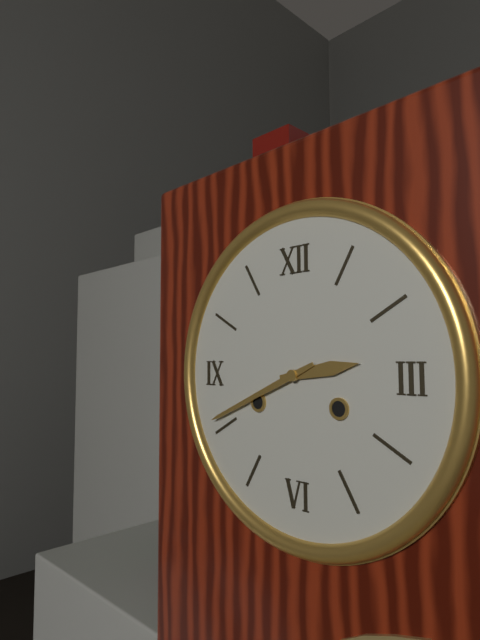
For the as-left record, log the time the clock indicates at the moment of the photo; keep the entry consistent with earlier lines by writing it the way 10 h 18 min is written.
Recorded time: 2 h 41 min
